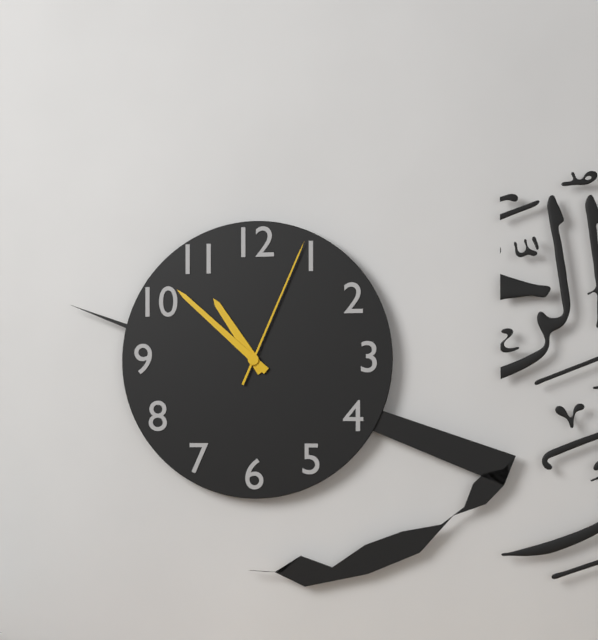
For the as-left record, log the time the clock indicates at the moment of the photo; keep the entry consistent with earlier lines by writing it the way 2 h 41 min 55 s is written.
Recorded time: 10 h 52 min 04 s
